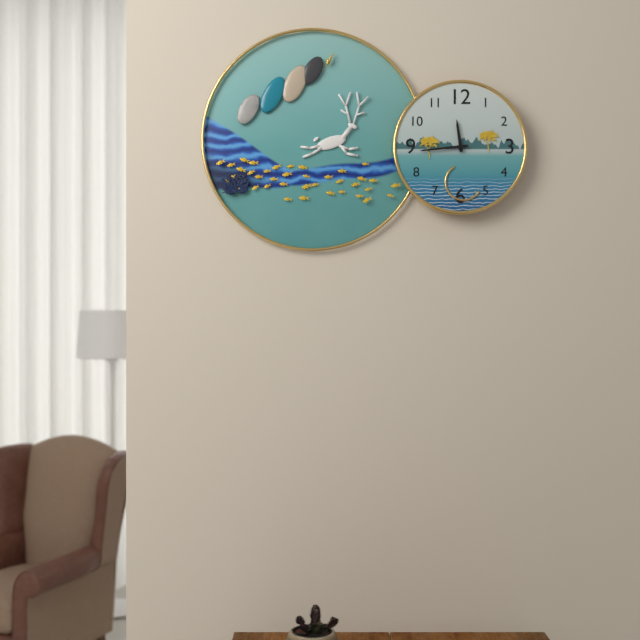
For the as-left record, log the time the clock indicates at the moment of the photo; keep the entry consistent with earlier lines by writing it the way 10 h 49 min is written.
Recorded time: 11 h 44 min
